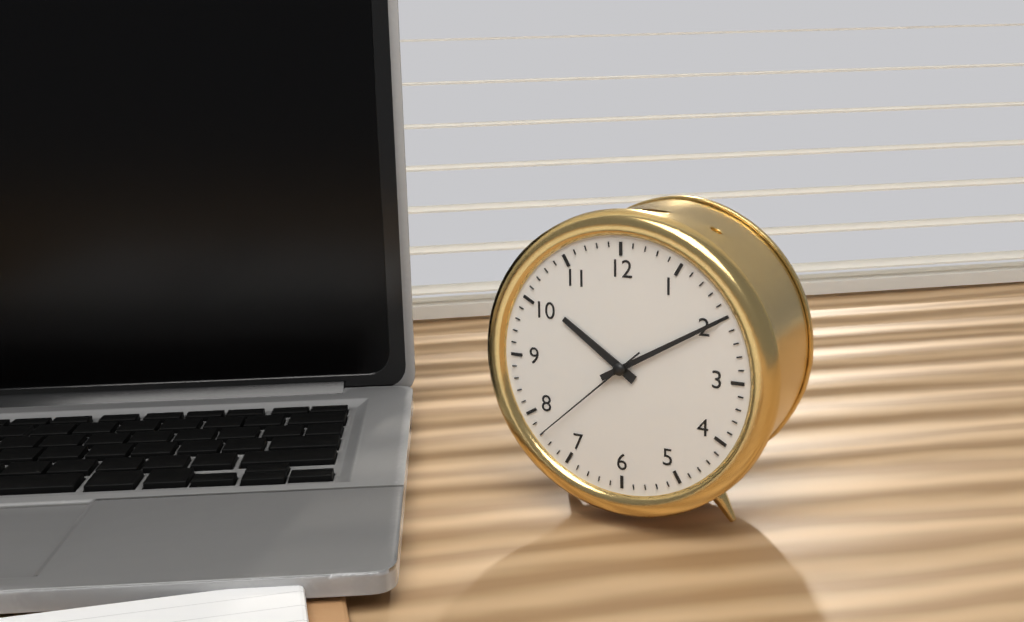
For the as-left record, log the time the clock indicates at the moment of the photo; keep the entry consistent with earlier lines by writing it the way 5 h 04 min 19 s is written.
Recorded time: 10 h 10 min 38 s
